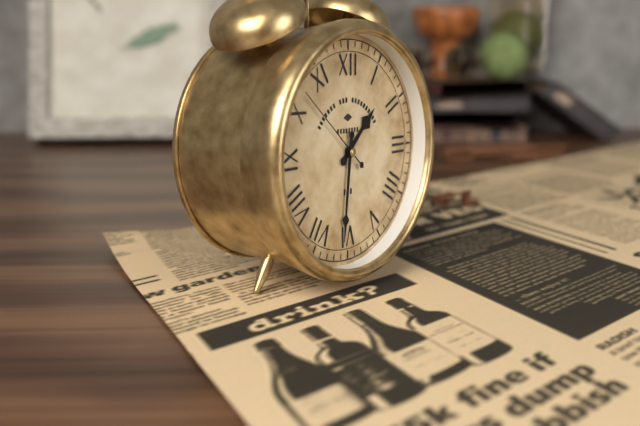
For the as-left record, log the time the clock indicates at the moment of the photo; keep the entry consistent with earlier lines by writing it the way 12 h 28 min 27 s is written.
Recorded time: 1 h 31 min 52 s
